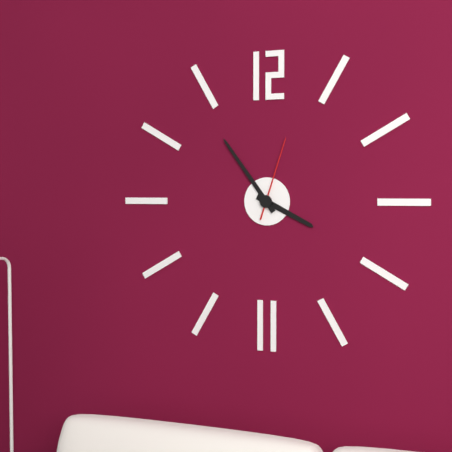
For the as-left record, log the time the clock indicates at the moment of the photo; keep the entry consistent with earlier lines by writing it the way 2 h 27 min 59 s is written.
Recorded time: 3 h 54 min 03 s
